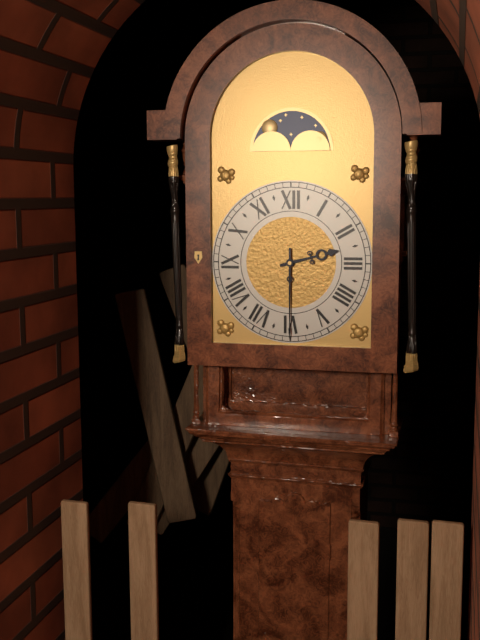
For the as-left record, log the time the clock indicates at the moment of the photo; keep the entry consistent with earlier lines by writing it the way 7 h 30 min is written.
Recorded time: 2 h 30 min
